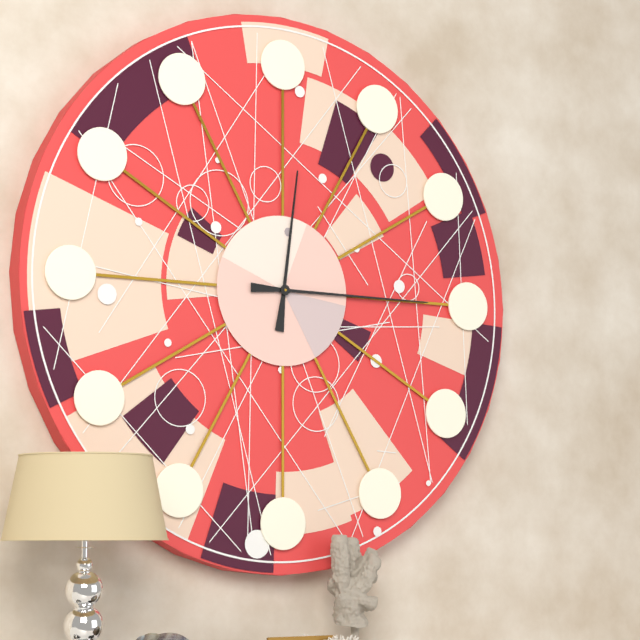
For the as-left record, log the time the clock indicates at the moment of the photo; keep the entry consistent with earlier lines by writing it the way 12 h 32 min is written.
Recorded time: 12 h 15 min
